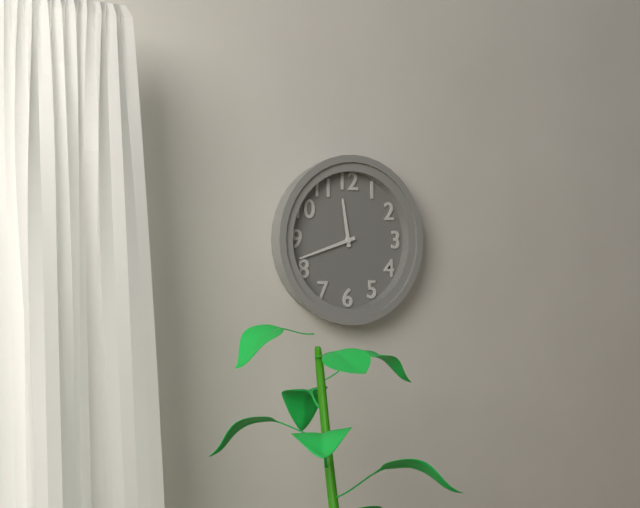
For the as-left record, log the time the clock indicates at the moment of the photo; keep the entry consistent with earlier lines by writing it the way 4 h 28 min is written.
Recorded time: 11 h 42 min
